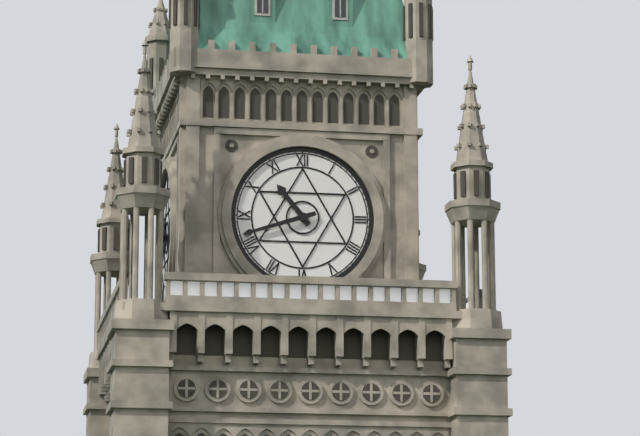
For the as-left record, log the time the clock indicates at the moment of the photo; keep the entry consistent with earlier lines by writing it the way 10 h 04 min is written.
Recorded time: 10 h 42 min
